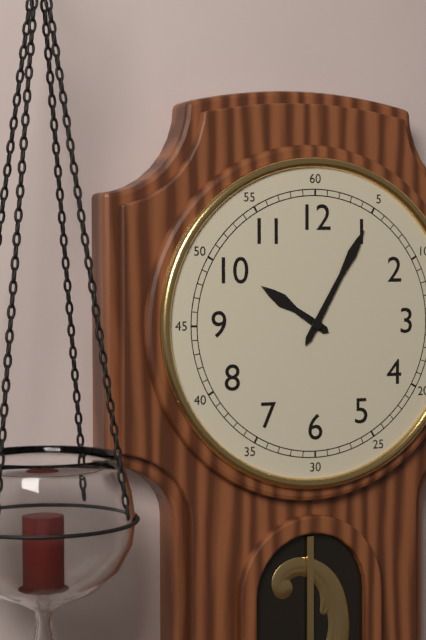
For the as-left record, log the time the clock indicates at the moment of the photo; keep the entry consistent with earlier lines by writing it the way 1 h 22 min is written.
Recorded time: 10 h 05 min
